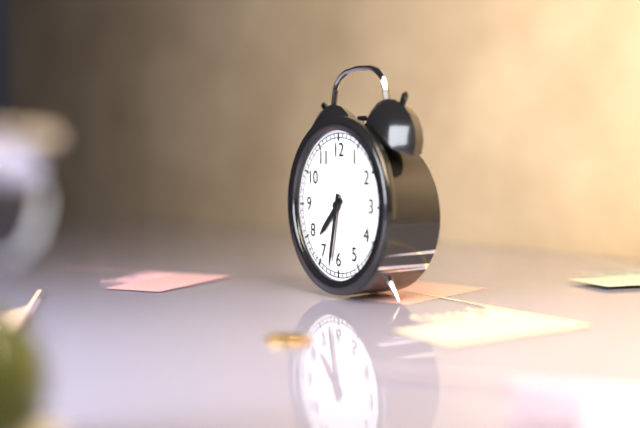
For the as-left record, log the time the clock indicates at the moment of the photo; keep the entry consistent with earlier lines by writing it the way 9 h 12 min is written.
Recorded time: 7 h 32 min
